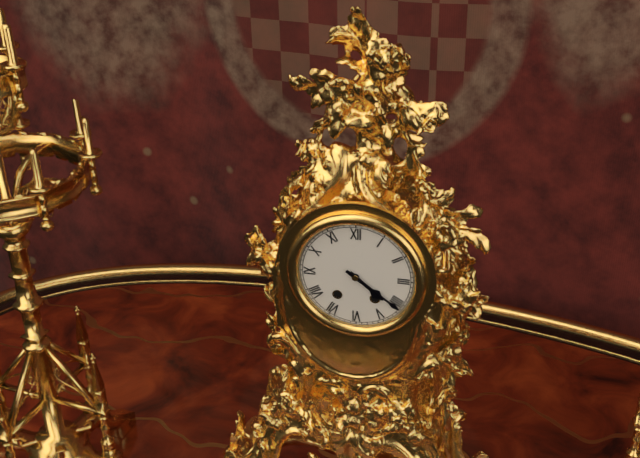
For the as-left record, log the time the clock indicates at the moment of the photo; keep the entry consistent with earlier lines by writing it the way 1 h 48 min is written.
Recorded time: 4 h 21 min
